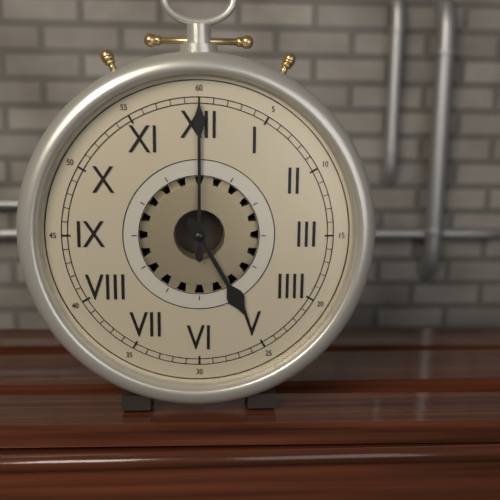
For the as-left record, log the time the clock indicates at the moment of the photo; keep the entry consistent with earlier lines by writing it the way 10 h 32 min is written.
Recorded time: 5 h 00 min
